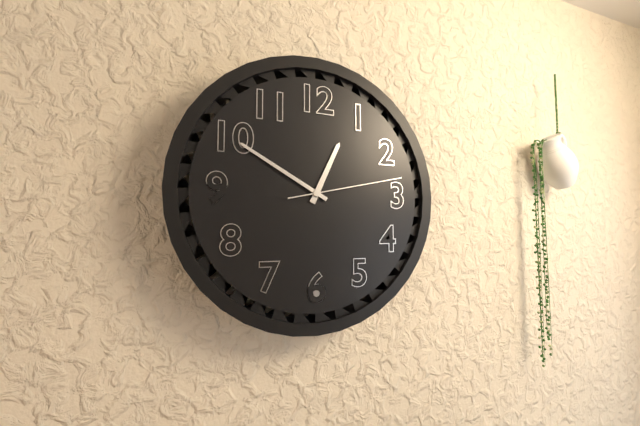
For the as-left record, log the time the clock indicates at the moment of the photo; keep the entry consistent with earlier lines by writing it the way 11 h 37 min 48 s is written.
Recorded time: 12 h 50 min 13 s
